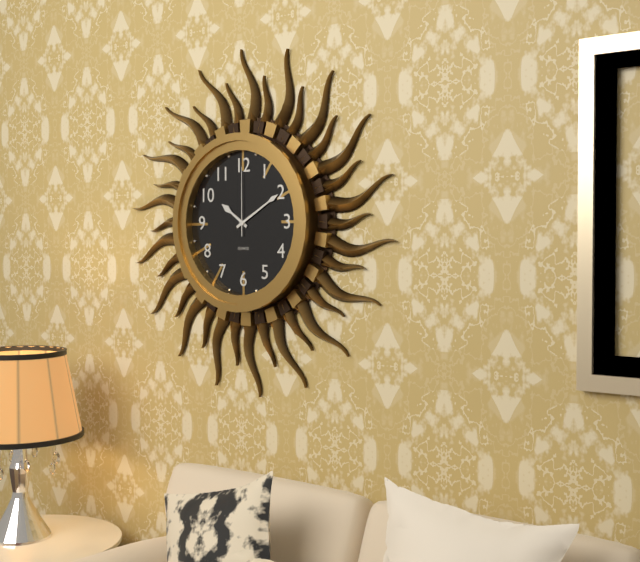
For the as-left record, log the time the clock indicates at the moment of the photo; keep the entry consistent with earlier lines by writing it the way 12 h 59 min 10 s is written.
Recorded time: 10 h 10 min 00 s
